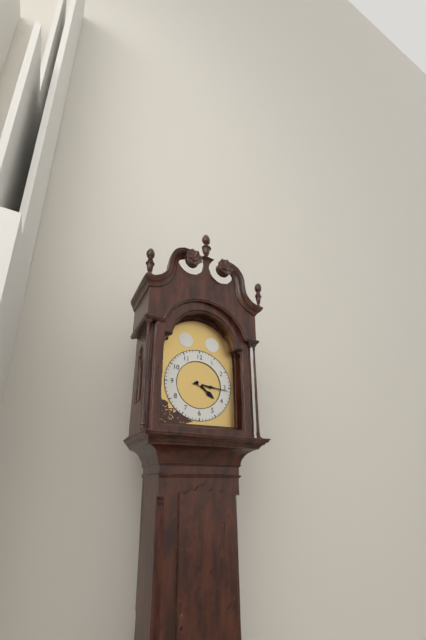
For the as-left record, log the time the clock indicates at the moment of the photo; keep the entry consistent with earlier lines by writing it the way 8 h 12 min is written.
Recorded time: 4 h 16 min
